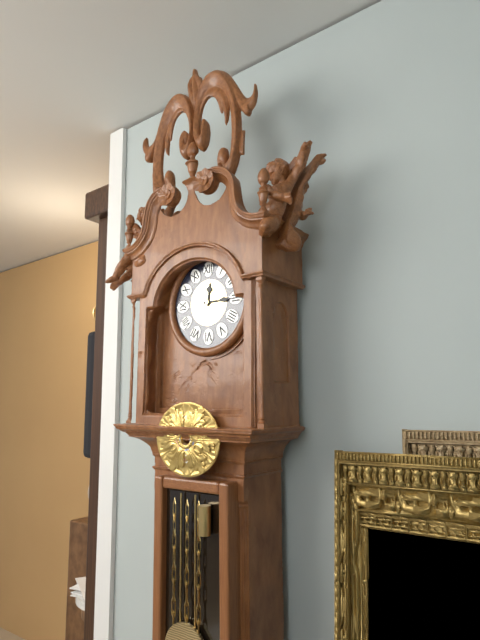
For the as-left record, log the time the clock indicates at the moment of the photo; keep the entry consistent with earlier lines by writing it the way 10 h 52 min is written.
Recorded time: 12 h 15 min
